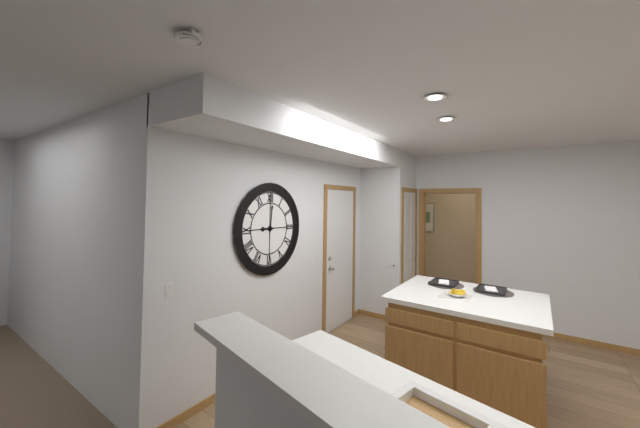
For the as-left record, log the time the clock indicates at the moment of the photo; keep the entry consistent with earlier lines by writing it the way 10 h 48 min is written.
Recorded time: 9 h 01 min
